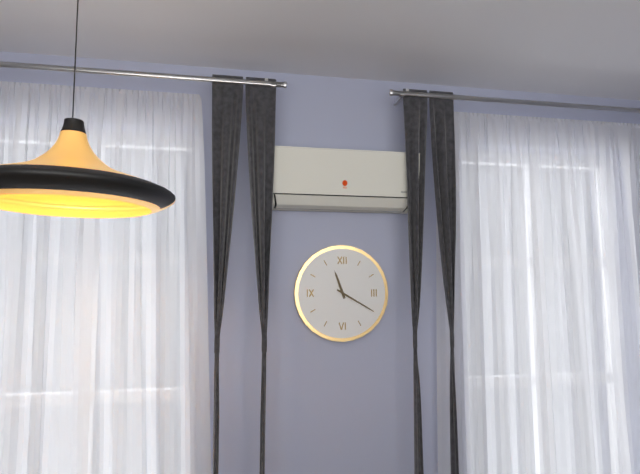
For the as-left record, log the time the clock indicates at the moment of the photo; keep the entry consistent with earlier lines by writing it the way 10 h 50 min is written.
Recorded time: 11 h 20 min
